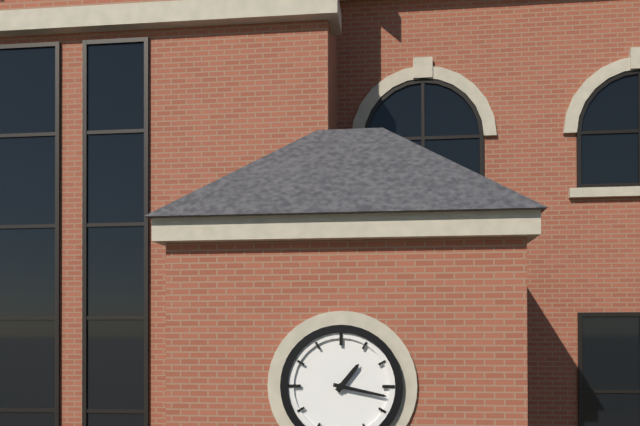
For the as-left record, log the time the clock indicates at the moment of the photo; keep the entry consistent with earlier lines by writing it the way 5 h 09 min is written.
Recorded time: 1 h 17 min
